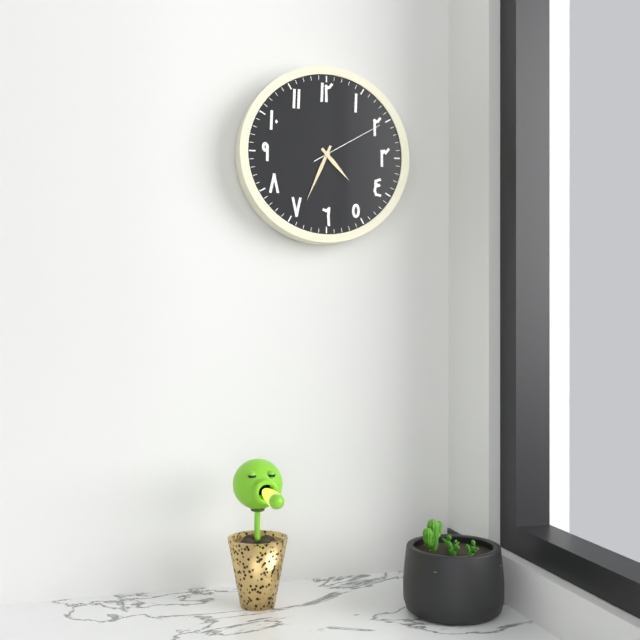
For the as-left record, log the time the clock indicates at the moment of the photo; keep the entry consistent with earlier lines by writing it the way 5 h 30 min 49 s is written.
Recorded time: 4 h 34 min 10 s
